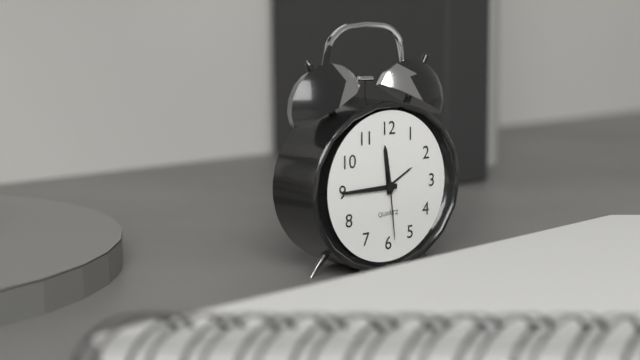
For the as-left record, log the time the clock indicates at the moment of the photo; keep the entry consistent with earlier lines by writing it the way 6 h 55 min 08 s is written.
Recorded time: 11 h 45 min 29 s
